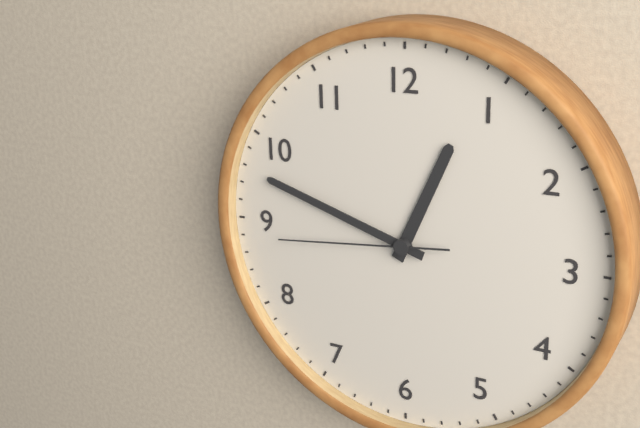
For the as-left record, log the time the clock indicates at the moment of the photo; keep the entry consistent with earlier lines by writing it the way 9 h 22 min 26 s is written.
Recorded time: 12 h 48 min 44 s
